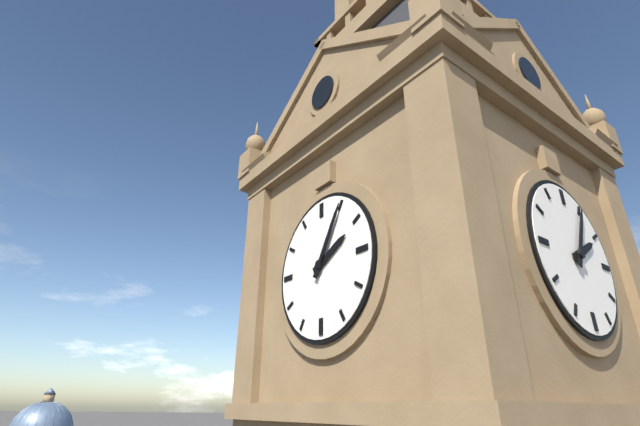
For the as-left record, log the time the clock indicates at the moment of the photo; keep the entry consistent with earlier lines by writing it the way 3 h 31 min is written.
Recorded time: 2 h 05 min
